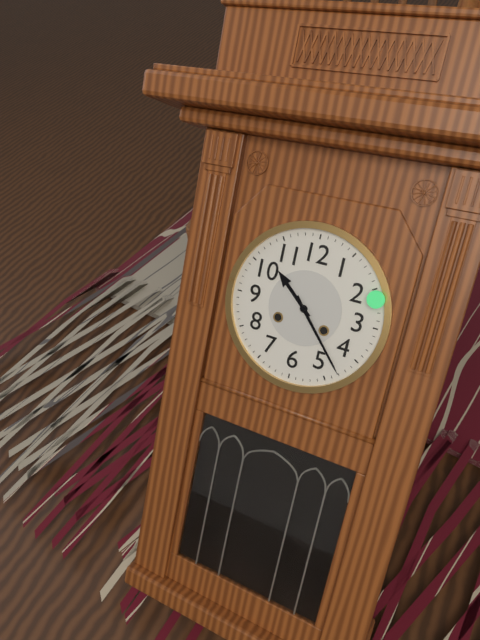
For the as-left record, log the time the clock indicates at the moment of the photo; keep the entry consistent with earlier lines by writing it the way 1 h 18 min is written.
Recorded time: 10 h 23 min
